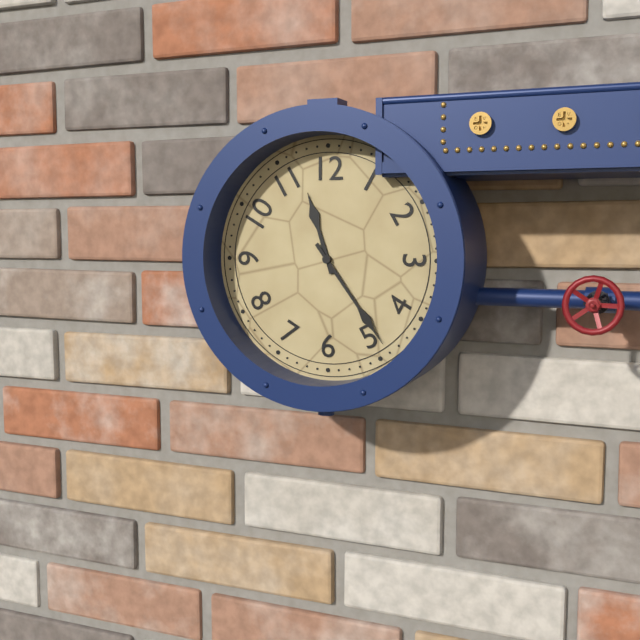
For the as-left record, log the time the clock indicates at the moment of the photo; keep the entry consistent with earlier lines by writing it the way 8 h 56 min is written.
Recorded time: 11 h 24 min
